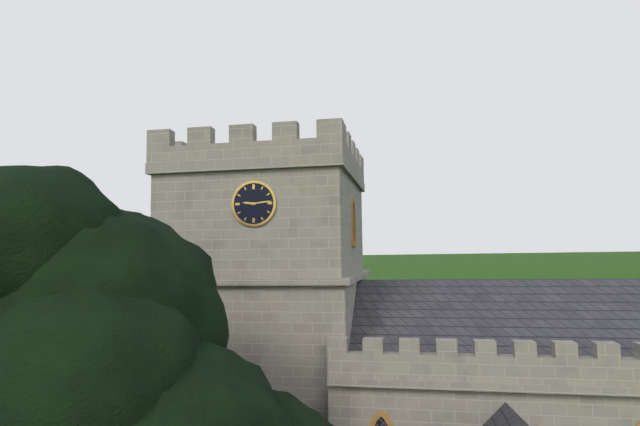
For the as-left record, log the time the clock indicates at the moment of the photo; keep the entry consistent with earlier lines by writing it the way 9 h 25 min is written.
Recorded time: 9 h 14 min
